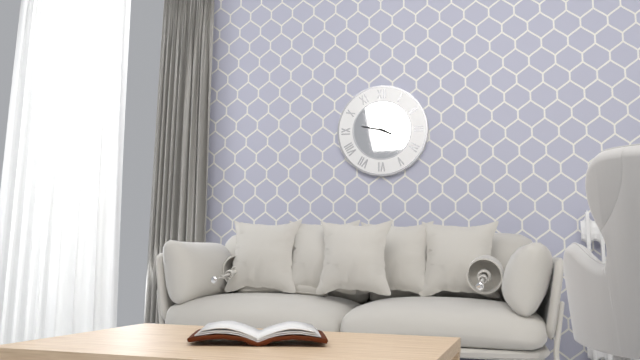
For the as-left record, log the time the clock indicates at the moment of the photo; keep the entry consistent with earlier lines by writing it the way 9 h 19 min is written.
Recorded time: 3 h 47 min
